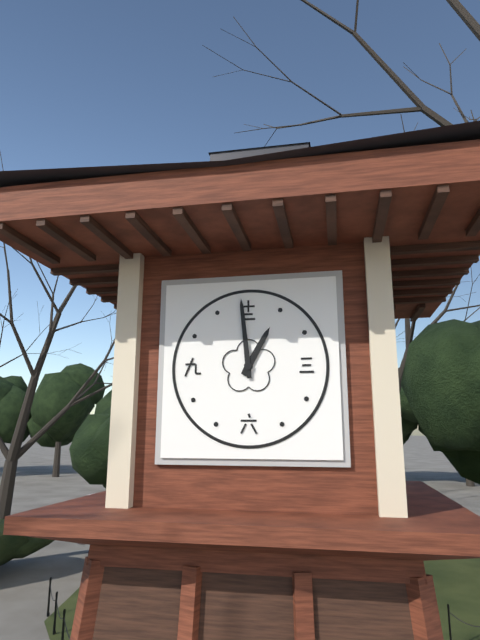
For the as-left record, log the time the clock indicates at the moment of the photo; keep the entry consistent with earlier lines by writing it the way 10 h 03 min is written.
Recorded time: 12 h 59 min
